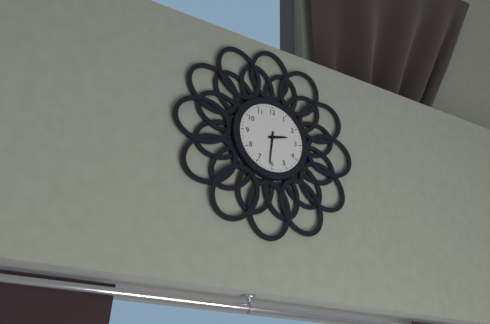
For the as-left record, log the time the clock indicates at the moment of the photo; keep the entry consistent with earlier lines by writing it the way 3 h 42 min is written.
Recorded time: 2 h 31 min
